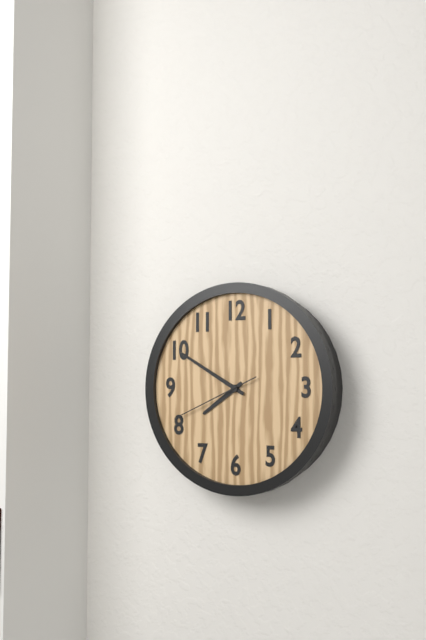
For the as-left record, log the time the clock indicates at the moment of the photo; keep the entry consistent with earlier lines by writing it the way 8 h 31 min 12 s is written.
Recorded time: 7 h 50 min 41 s
